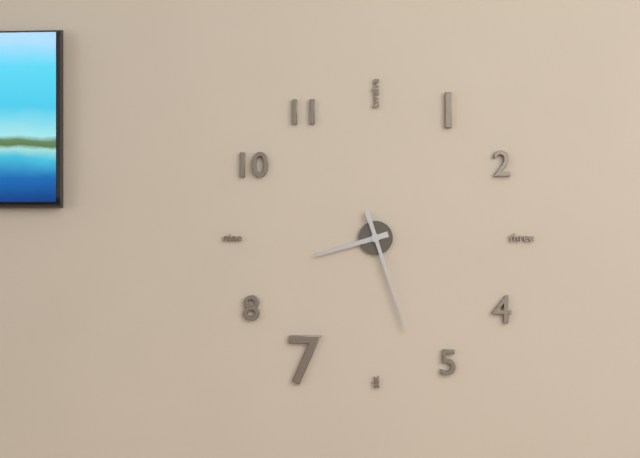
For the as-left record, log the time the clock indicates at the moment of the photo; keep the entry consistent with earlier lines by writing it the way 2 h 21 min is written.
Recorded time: 8 h 27 min
